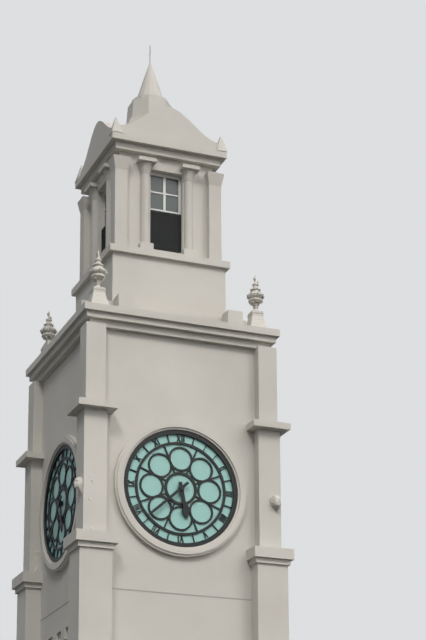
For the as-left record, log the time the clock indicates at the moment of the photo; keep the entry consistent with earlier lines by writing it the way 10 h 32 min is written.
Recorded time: 5 h 38 min
